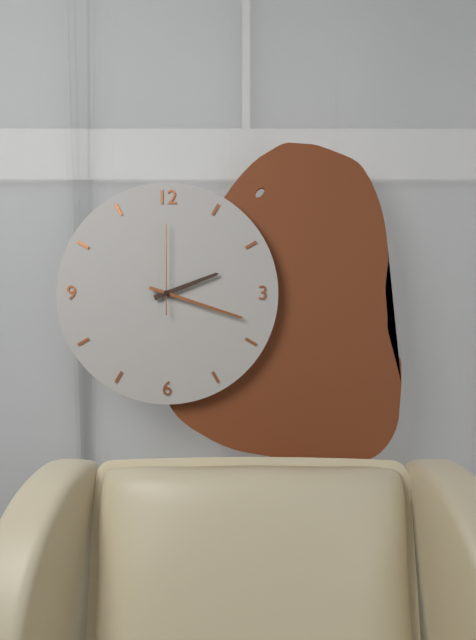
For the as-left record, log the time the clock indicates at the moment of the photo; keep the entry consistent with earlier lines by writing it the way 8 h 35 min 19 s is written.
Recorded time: 2 h 18 min 00 s
